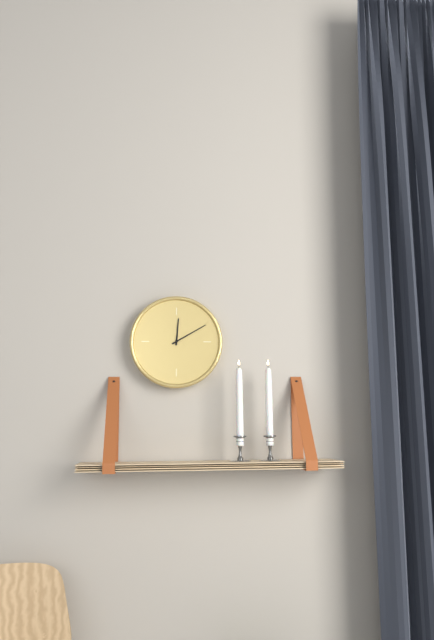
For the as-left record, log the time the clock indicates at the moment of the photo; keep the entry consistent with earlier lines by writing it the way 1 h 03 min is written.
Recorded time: 12 h 10 min
